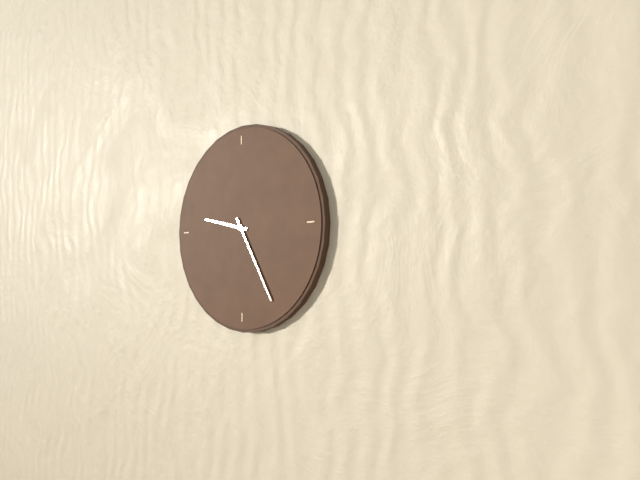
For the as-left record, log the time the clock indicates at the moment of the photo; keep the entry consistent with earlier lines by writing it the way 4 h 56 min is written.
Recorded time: 9 h 25 min
